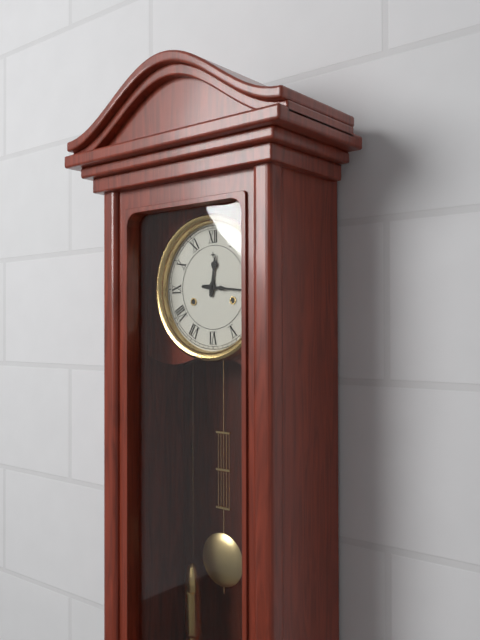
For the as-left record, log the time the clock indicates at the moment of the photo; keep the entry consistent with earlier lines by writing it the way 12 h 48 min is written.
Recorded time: 12 h 16 min
